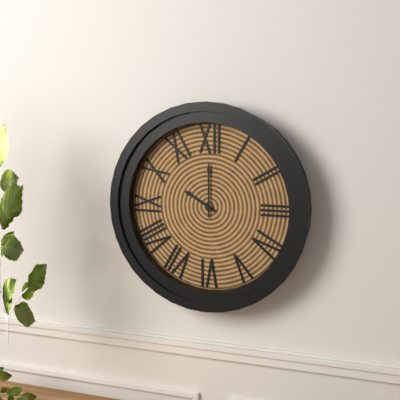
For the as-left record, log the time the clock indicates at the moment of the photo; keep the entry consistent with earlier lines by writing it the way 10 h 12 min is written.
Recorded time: 10 h 00 min
